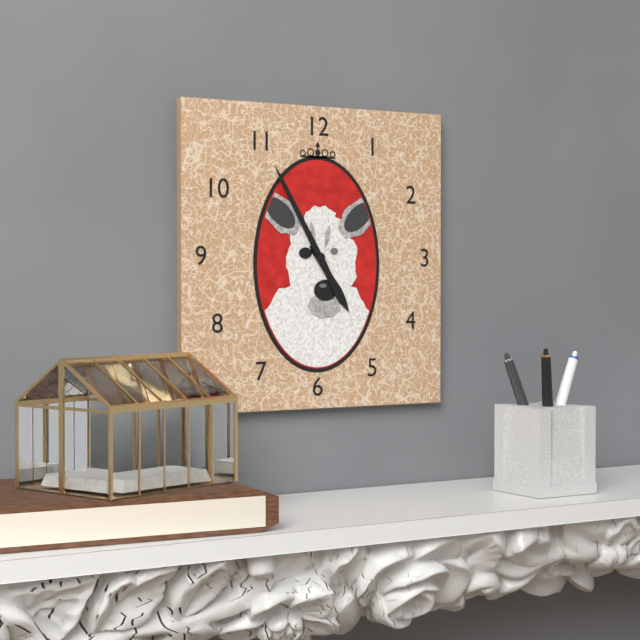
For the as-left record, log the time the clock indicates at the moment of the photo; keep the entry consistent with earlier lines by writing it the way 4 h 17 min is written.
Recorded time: 4 h 55 min
